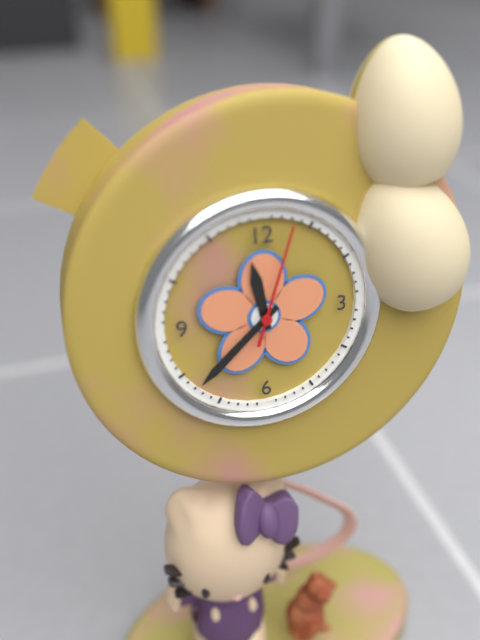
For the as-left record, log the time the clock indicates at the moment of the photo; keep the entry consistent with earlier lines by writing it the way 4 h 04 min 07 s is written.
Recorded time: 11 h 38 min 03 s
